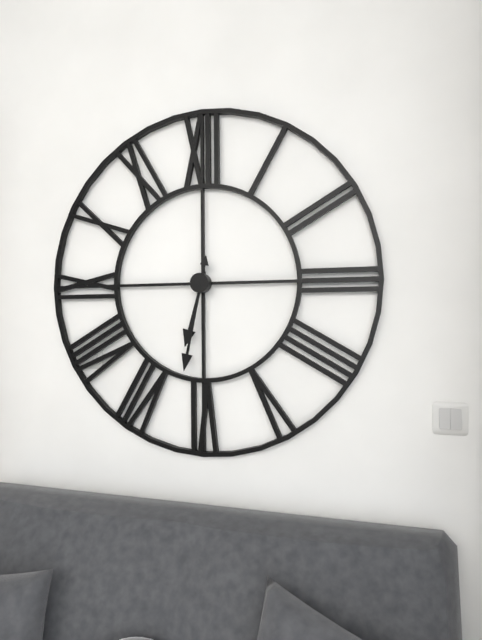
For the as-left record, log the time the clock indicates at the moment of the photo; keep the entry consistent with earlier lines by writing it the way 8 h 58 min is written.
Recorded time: 6 h 32 min
